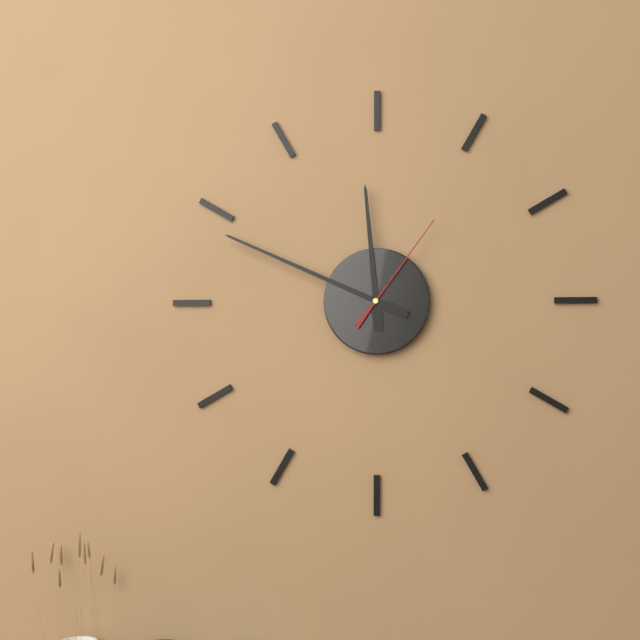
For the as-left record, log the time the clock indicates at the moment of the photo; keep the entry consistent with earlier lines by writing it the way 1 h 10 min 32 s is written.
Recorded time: 11 h 49 min 06 s
